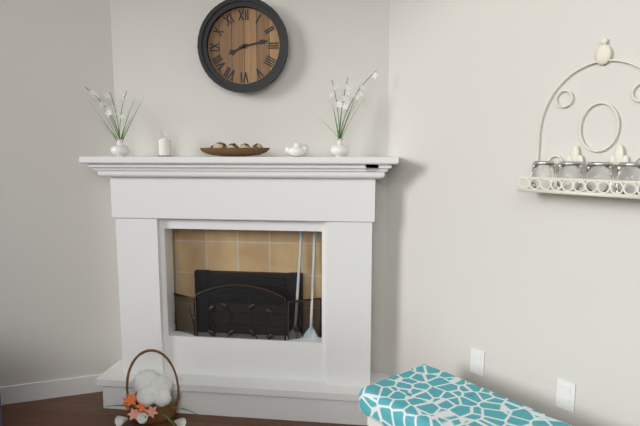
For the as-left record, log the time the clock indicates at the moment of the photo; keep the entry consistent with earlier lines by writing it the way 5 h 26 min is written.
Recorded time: 8 h 13 min
